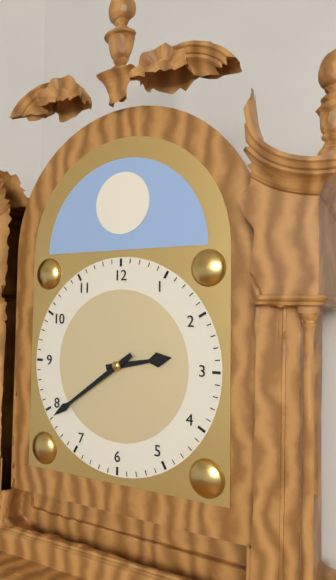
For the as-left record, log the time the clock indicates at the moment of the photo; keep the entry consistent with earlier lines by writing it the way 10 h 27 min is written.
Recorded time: 2 h 39 min
